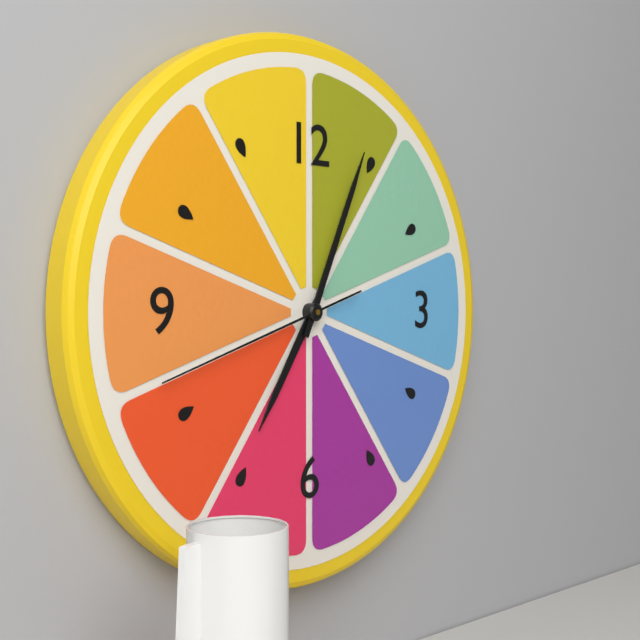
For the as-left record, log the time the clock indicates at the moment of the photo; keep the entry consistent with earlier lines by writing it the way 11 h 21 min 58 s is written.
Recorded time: 7 h 04 min 42 s
